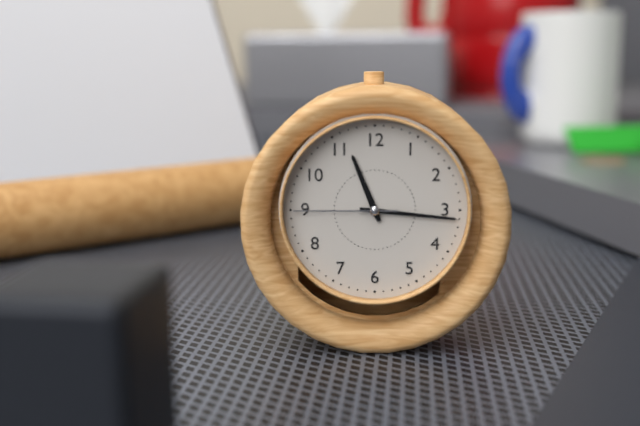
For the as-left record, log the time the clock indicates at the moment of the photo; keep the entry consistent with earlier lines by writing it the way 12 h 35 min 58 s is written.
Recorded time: 11 h 16 min 45 s
